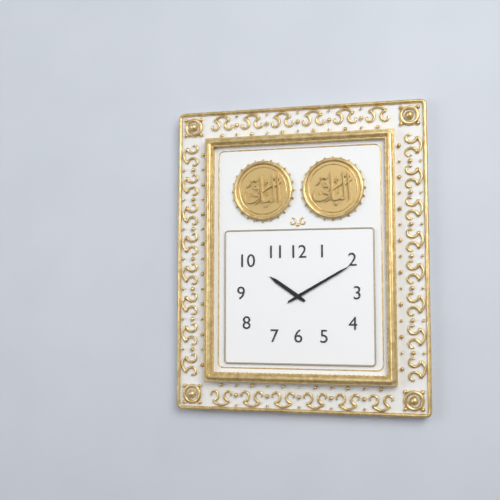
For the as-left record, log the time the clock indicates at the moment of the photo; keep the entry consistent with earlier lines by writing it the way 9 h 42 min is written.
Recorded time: 10 h 10 min
